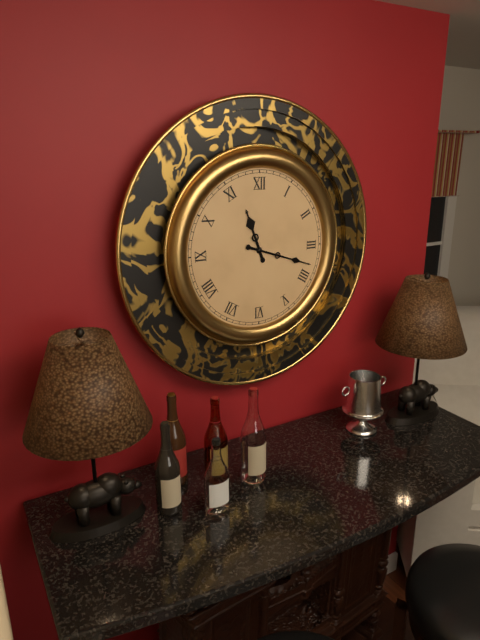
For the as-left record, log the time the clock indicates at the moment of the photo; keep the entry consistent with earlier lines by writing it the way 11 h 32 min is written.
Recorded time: 11 h 18 min
